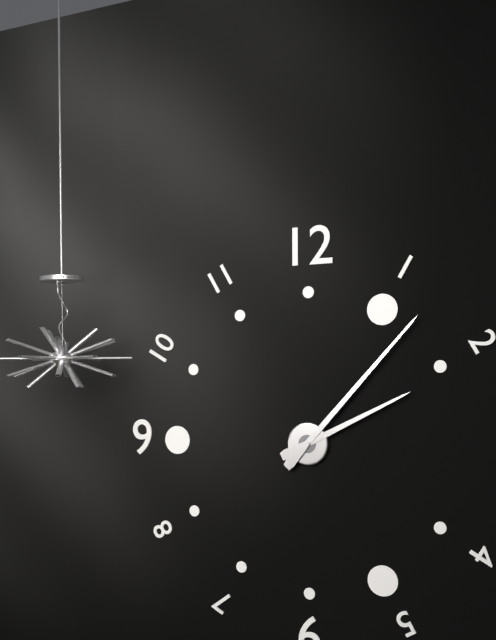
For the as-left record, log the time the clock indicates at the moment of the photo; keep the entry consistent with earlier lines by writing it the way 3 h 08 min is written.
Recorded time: 2 h 07 min
